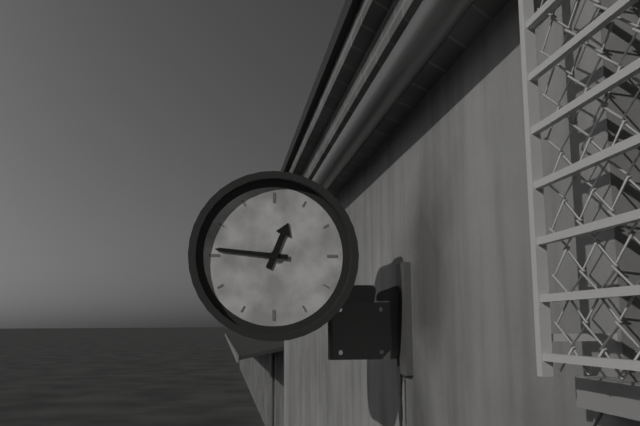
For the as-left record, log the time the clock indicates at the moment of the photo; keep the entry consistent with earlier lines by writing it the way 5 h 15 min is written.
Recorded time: 12 h 46 min
